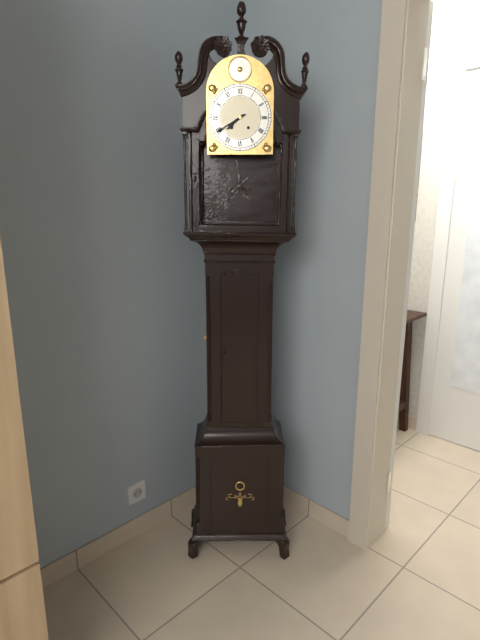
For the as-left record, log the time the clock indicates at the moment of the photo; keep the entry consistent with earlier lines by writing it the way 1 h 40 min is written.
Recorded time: 7 h 40 min
